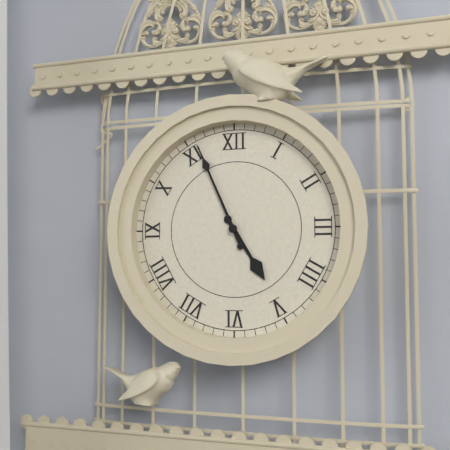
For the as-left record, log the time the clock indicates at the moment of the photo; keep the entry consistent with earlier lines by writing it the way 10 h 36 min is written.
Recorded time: 4 h 56 min
